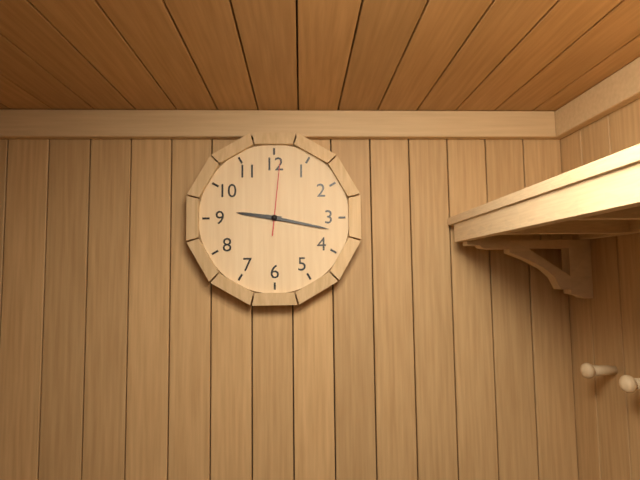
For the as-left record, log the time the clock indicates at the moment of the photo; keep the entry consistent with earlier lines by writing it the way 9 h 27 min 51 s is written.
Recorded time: 9 h 17 min 01 s
